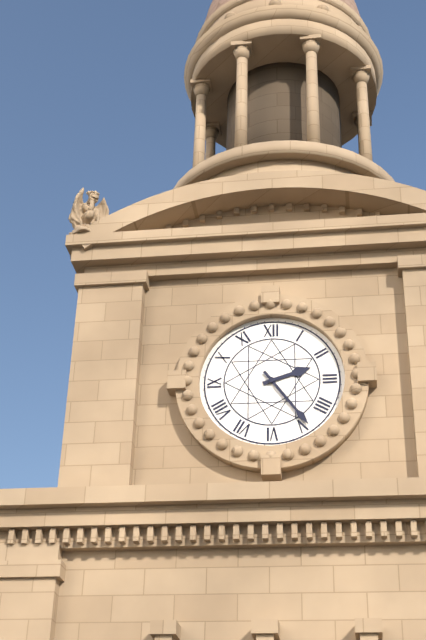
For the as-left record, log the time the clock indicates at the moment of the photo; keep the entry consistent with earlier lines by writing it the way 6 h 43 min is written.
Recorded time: 2 h 24 min
